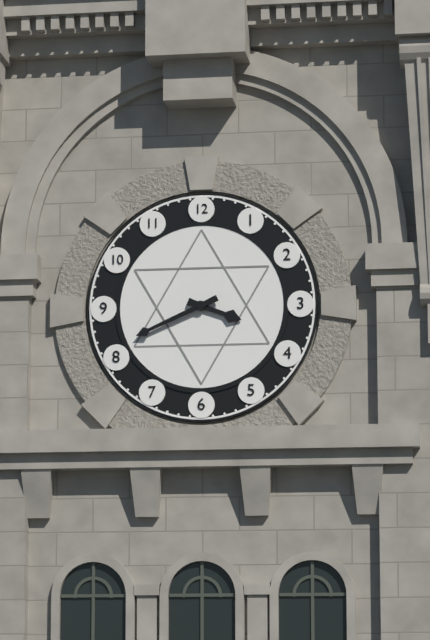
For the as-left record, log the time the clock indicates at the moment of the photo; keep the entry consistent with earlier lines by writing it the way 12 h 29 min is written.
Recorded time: 3 h 41 min
